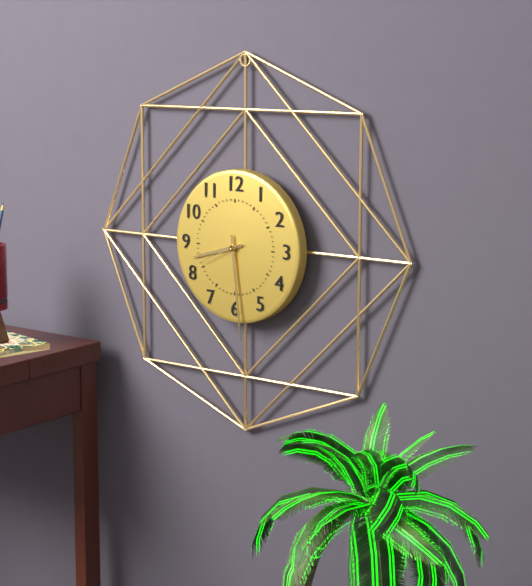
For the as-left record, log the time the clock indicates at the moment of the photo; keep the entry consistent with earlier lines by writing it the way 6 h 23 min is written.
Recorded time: 8 h 29 min
